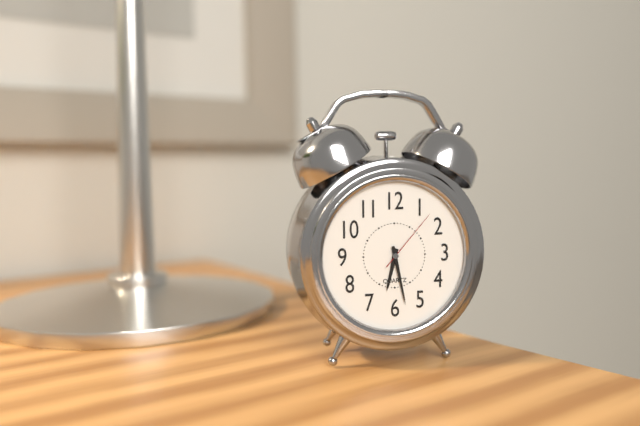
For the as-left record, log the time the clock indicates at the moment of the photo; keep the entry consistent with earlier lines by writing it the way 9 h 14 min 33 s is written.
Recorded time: 6 h 28 min 07 s
